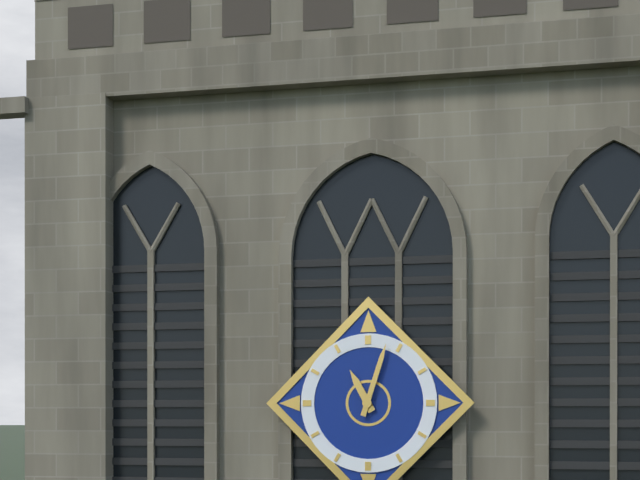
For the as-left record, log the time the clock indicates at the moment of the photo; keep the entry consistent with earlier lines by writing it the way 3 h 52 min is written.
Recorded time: 11 h 03 min
